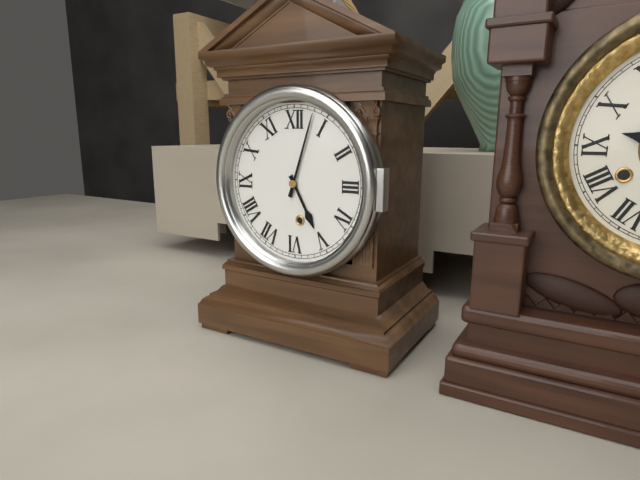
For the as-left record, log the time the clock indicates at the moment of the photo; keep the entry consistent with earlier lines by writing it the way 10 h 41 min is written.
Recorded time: 5 h 03 min
